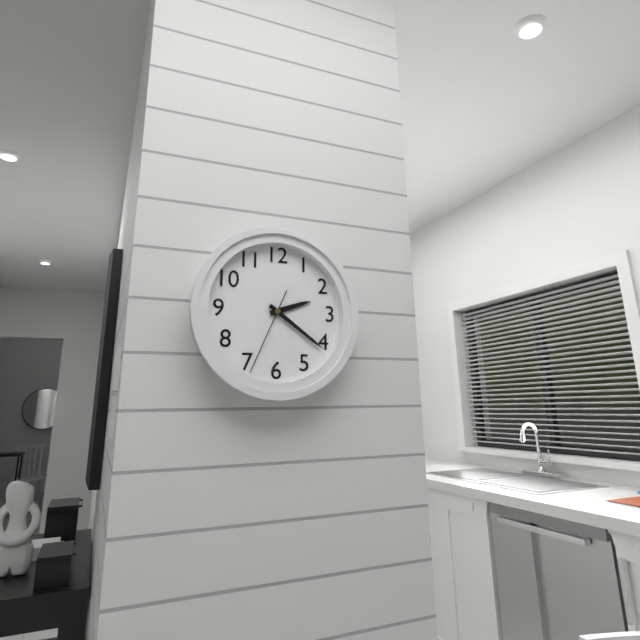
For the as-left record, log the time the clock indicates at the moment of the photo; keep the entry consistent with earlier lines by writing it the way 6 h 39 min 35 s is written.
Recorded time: 2 h 21 min 34 s
